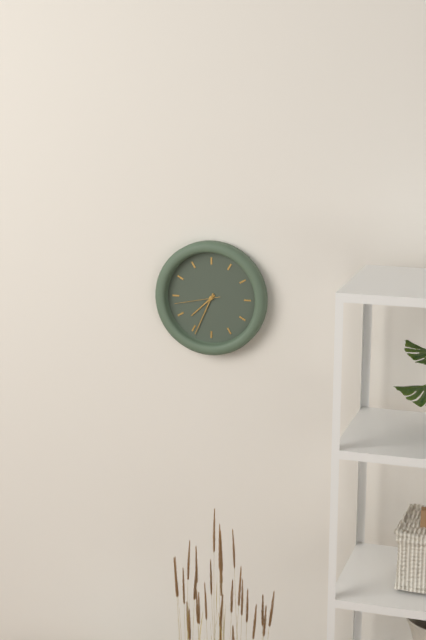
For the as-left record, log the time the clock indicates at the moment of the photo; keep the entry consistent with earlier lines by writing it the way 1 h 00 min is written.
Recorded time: 7 h 34 min
